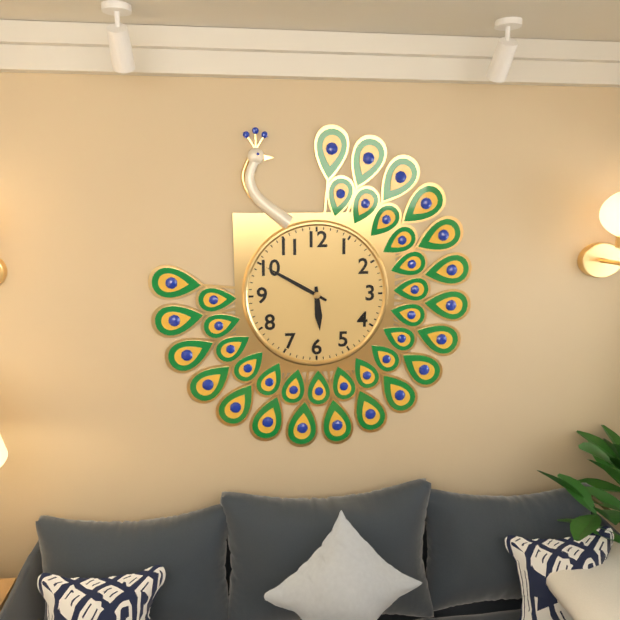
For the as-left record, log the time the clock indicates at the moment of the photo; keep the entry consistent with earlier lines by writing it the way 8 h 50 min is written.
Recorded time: 5 h 50 min
